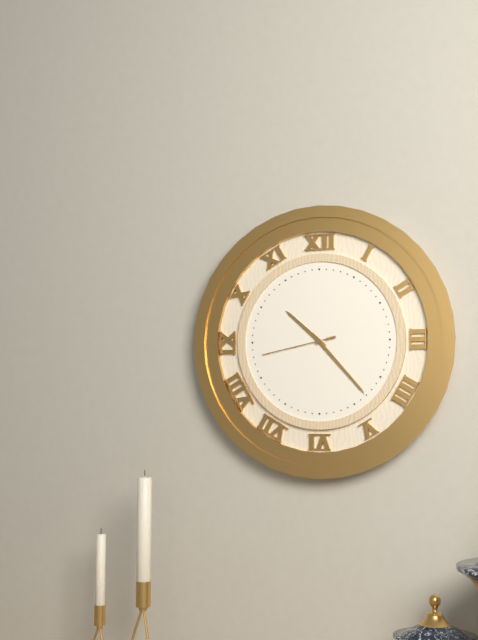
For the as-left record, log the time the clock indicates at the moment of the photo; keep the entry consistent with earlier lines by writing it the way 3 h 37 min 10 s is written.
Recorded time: 10 h 23 min 43 s
